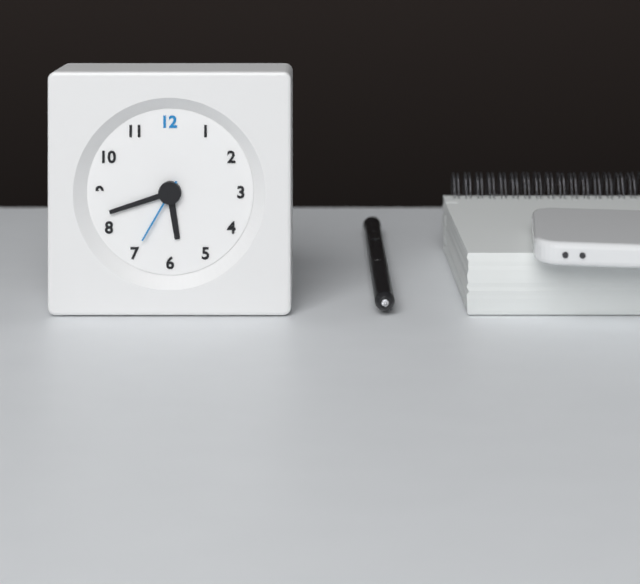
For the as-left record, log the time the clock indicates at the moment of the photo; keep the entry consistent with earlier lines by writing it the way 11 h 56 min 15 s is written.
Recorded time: 5 h 42 min 35 s
